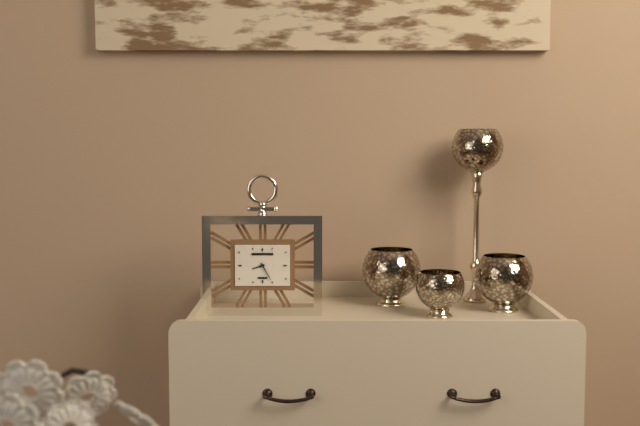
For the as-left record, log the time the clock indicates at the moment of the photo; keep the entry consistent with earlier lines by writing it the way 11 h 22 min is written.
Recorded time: 8 h 25 min
